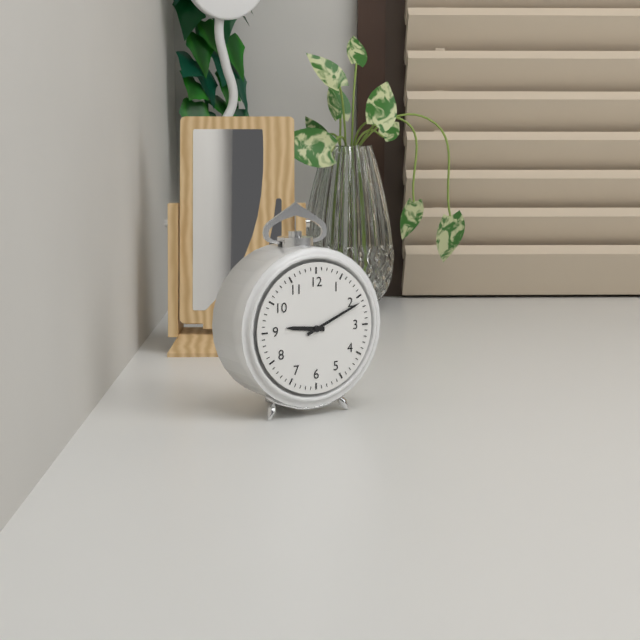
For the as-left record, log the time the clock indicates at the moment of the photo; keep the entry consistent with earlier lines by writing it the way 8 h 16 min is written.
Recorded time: 9 h 11 min
